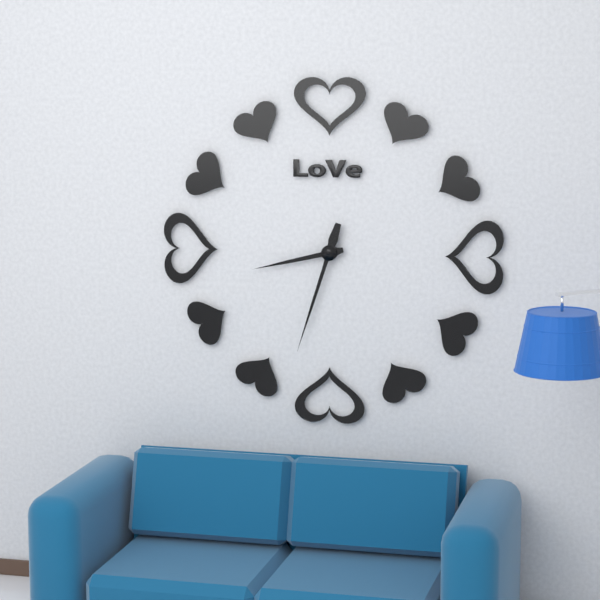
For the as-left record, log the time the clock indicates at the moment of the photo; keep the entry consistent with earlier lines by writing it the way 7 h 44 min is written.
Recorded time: 8 h 33 min
